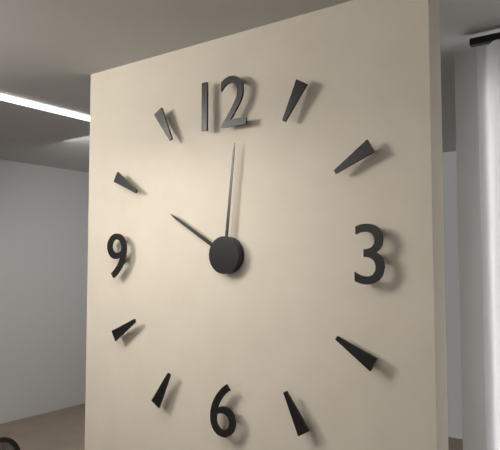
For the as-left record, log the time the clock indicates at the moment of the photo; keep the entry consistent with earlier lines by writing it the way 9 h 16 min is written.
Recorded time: 10 h 01 min
